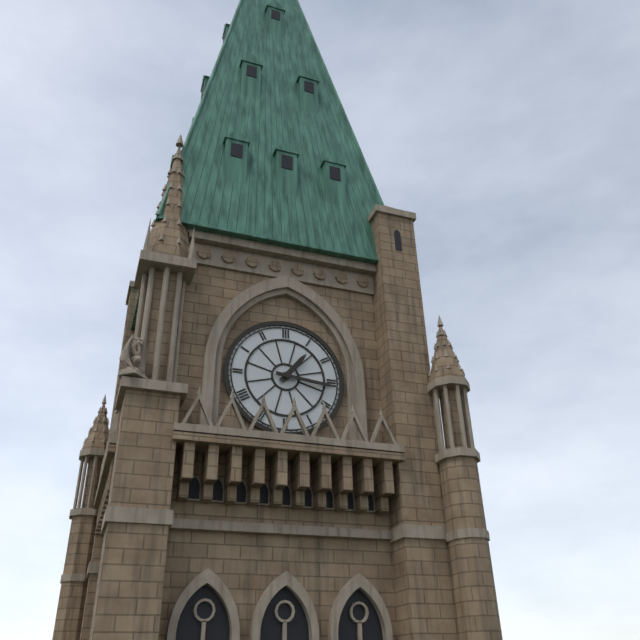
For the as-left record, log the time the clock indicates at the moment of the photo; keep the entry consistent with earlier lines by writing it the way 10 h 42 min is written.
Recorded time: 1 h 16 min
